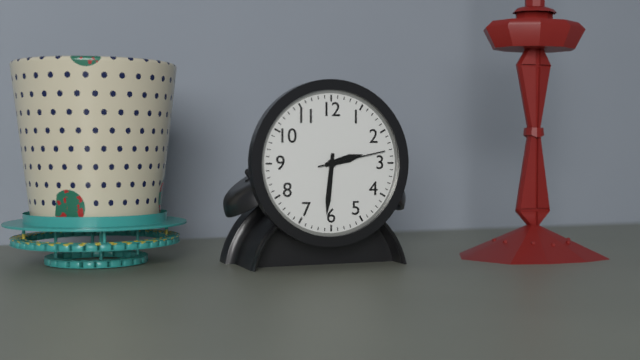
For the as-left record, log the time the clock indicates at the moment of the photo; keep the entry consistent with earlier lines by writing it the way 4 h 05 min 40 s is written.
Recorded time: 2 h 31 min 13 s
